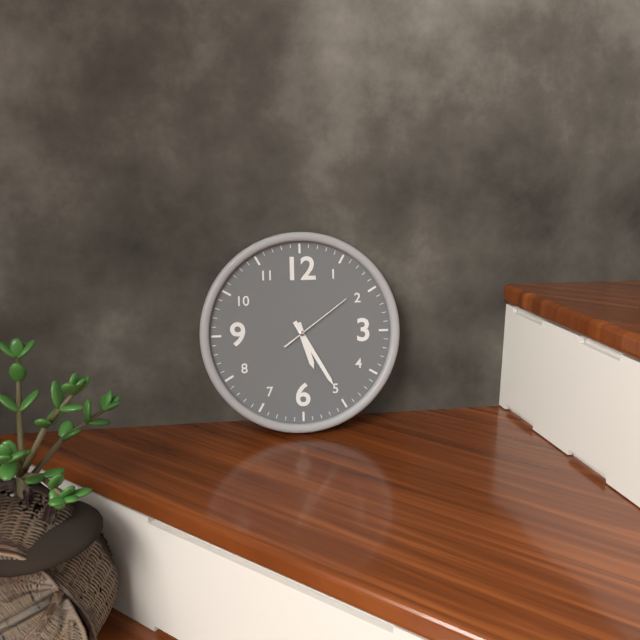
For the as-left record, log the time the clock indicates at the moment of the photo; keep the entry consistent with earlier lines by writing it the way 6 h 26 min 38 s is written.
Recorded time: 5 h 25 min 09 s
